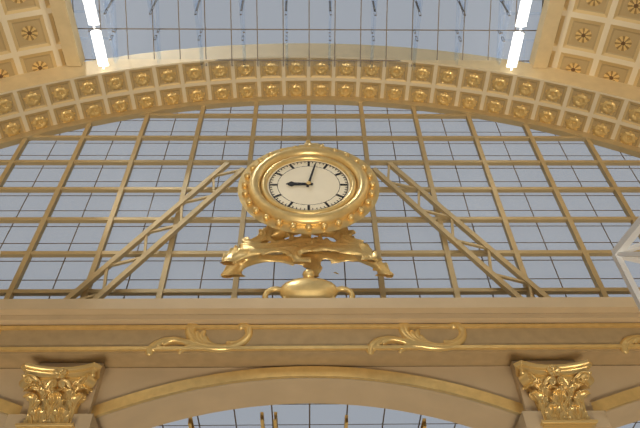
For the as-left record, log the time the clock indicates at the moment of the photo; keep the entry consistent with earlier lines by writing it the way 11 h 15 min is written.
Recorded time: 9 h 02 min
